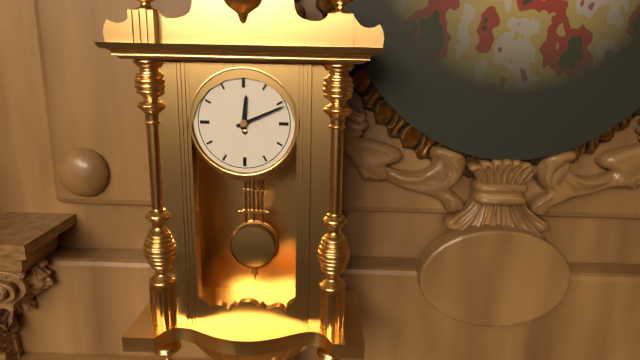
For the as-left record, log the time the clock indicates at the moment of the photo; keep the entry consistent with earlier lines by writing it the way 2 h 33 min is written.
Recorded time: 12 h 11 min
